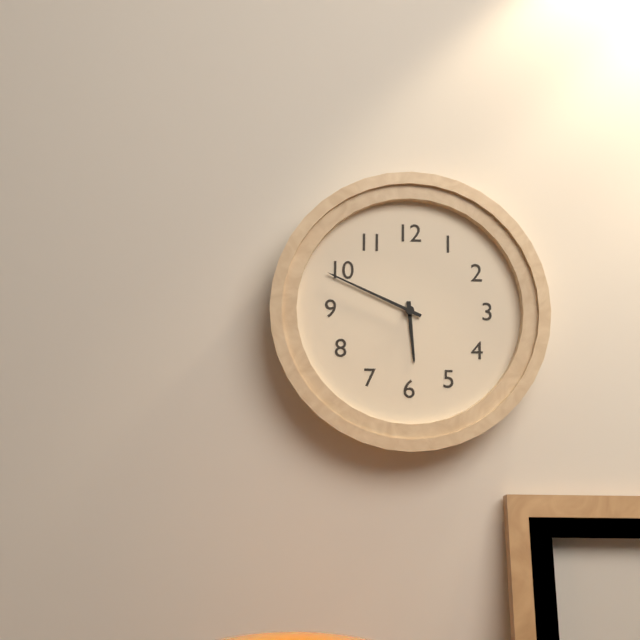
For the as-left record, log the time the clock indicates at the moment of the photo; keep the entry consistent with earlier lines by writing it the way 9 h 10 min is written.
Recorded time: 5 h 49 min
